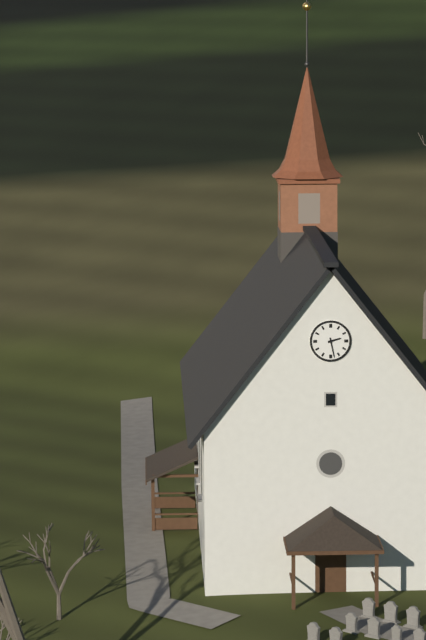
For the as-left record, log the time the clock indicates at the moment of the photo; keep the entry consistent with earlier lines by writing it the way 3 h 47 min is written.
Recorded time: 2 h 28 min
